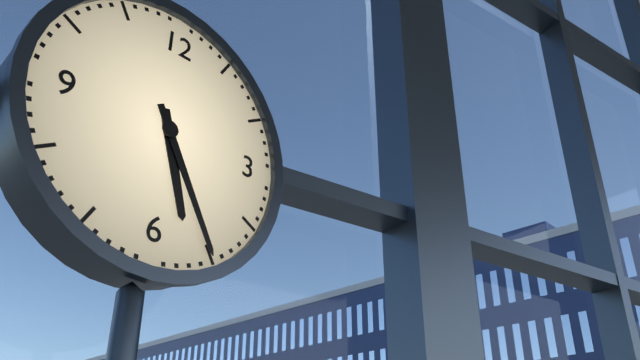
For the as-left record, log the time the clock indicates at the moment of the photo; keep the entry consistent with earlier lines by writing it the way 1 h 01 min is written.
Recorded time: 5 h 25 min
